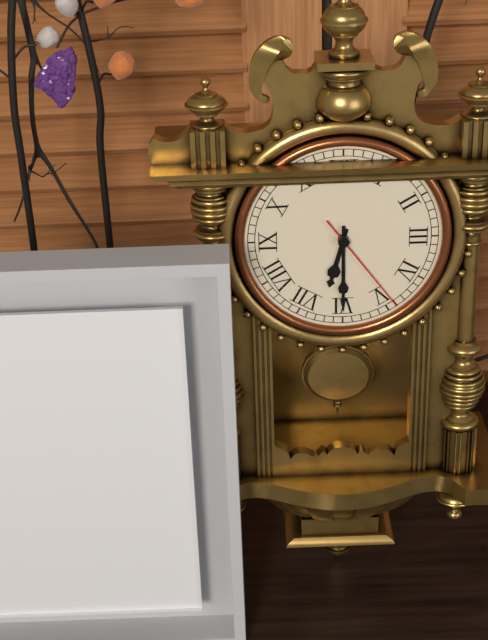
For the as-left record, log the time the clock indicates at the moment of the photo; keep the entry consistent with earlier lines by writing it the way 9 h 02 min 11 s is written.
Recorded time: 6 h 30 min 24 s
